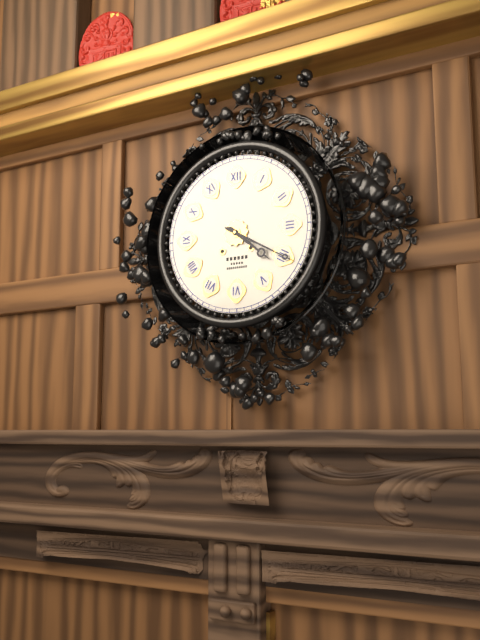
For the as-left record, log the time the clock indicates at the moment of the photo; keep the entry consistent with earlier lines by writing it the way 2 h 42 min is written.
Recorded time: 4 h 20 min
